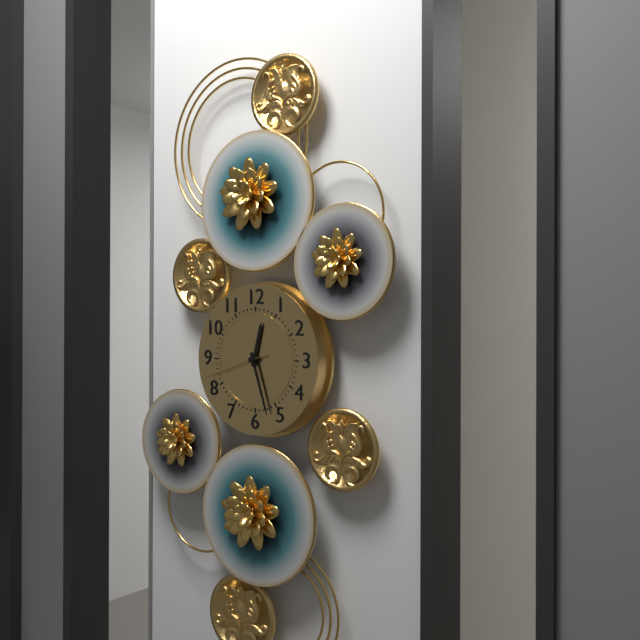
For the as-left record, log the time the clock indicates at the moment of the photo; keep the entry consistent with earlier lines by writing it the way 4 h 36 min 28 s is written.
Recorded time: 12 h 27 min 42 s
